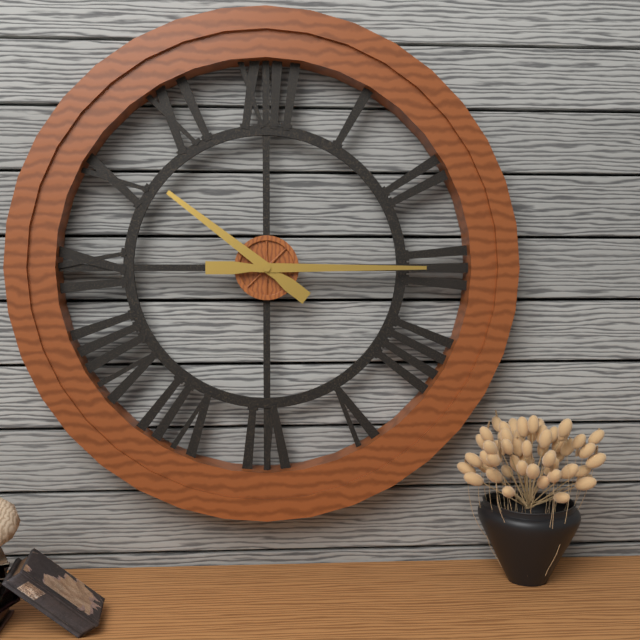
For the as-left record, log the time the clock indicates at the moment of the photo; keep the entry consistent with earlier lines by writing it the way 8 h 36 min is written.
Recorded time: 10 h 15 min
